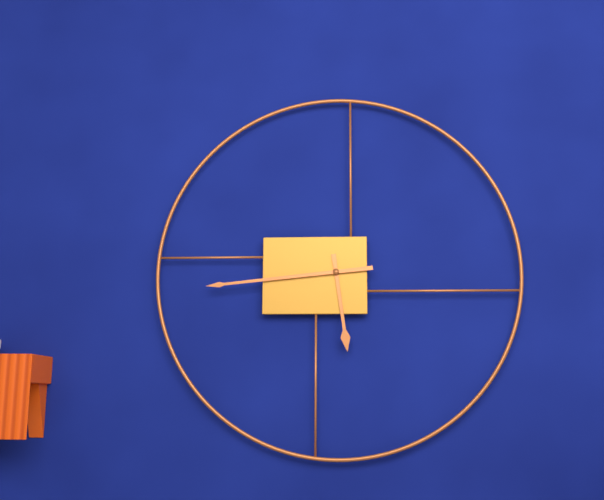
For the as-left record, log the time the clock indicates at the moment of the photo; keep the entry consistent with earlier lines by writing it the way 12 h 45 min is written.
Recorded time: 5 h 44 min
